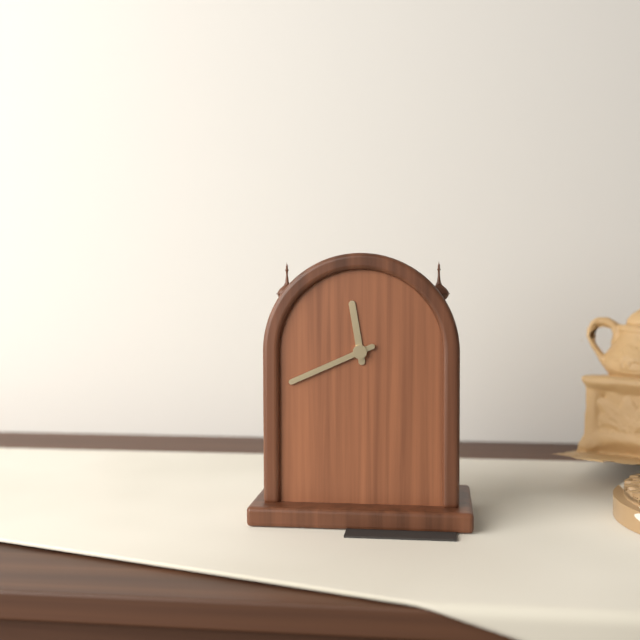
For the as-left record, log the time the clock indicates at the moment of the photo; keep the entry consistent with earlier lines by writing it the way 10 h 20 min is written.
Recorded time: 11 h 41 min
